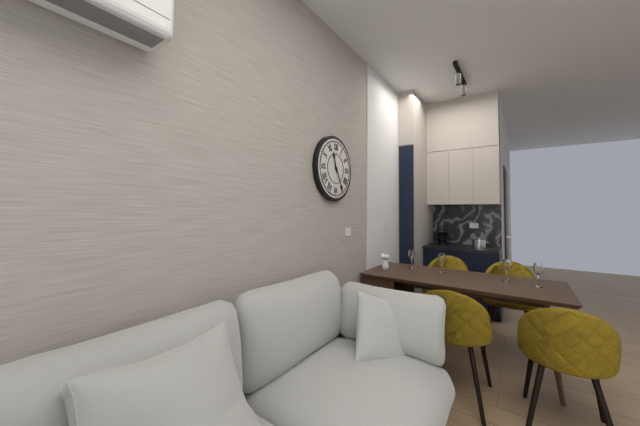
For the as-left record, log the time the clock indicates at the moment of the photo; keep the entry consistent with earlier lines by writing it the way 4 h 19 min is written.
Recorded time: 11 h 25 min
